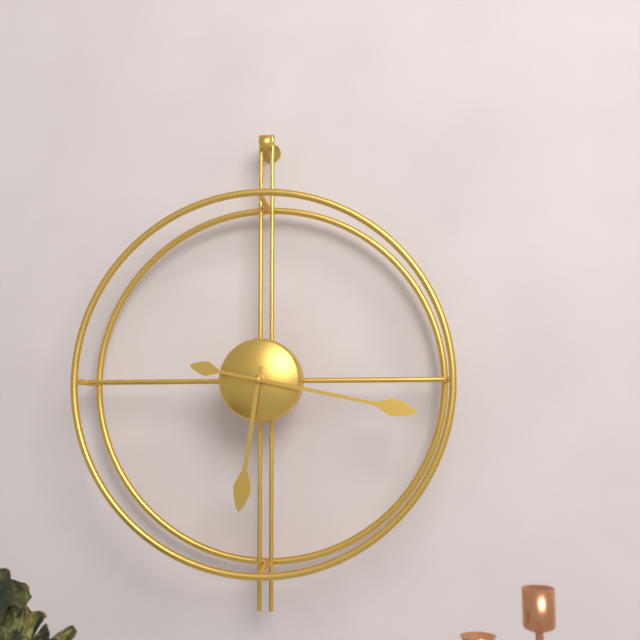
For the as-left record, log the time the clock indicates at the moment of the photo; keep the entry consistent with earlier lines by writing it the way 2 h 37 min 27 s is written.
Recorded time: 6 h 17 min 47 s
